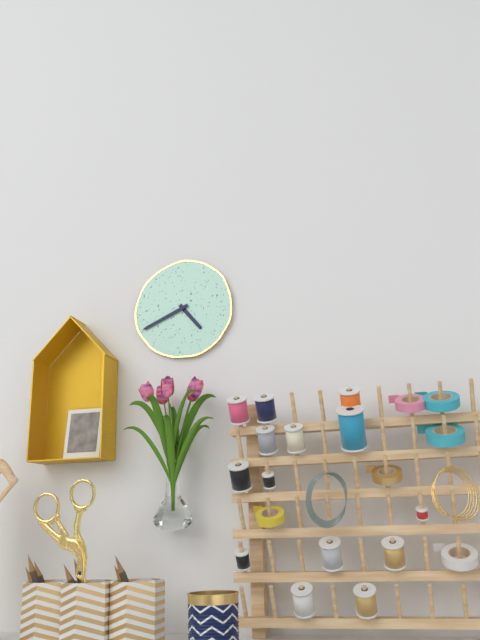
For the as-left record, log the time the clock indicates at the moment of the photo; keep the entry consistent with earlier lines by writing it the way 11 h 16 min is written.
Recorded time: 4 h 41 min
